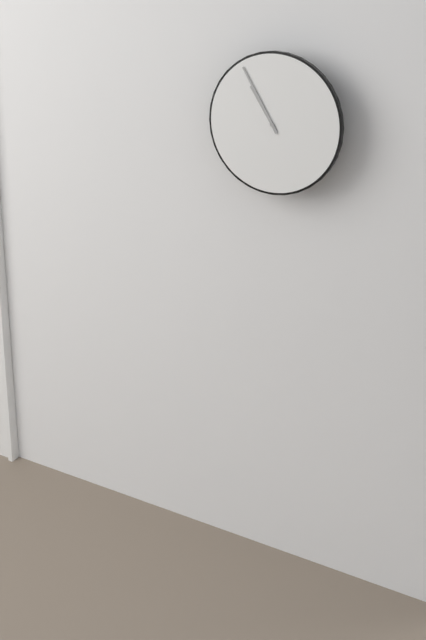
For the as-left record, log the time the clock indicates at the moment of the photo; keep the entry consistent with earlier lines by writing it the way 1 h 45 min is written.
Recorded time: 10 h 55 min
